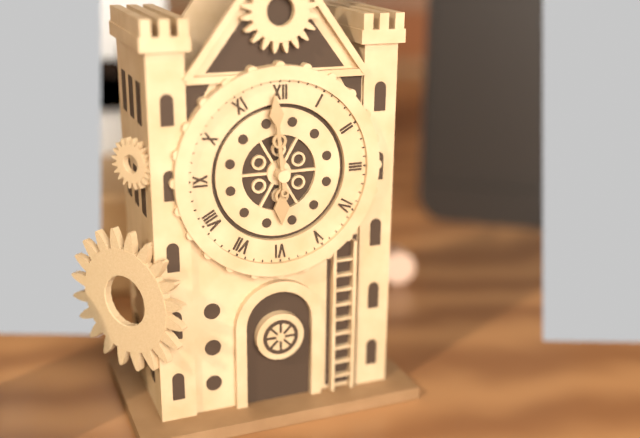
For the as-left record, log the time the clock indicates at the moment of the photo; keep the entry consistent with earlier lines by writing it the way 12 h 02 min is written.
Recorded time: 5 h 59 min
